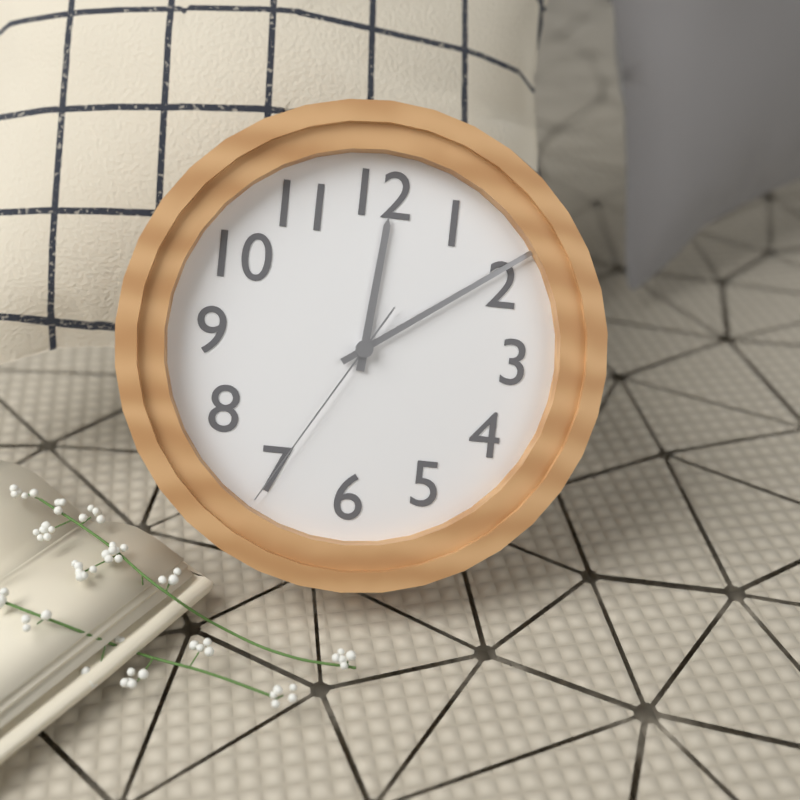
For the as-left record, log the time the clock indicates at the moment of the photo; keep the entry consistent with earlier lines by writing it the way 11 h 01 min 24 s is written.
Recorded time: 12 h 09 min 35 s
